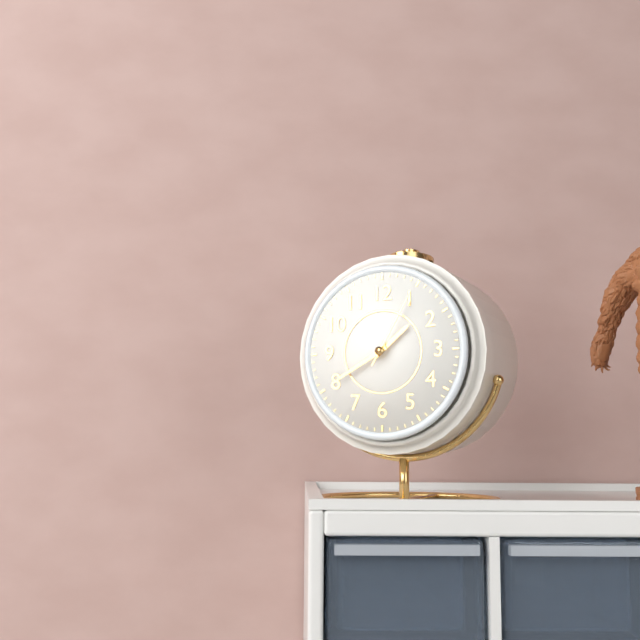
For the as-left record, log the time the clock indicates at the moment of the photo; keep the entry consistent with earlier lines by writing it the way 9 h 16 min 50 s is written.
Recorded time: 1 h 40 min 05 s
